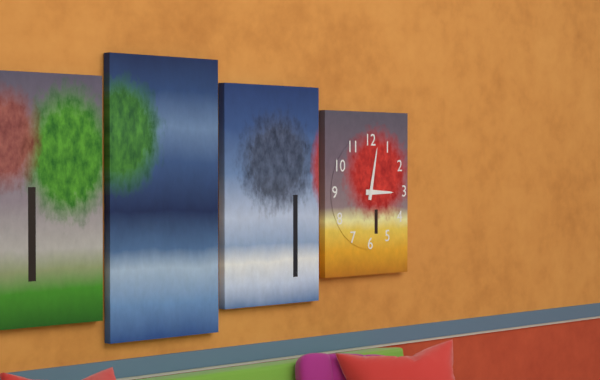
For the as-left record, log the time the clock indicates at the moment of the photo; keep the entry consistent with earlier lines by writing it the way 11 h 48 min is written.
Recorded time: 3 h 02 min
